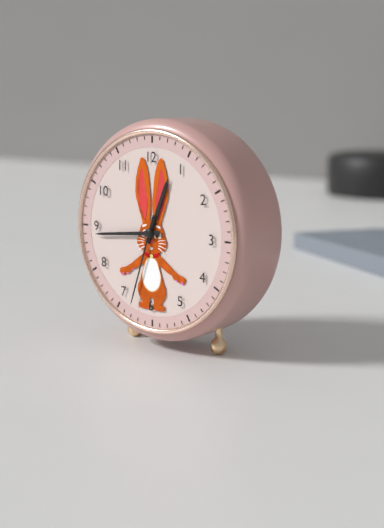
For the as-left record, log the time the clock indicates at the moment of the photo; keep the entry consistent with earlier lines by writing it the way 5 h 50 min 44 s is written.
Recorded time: 12 h 44 min 33 s
